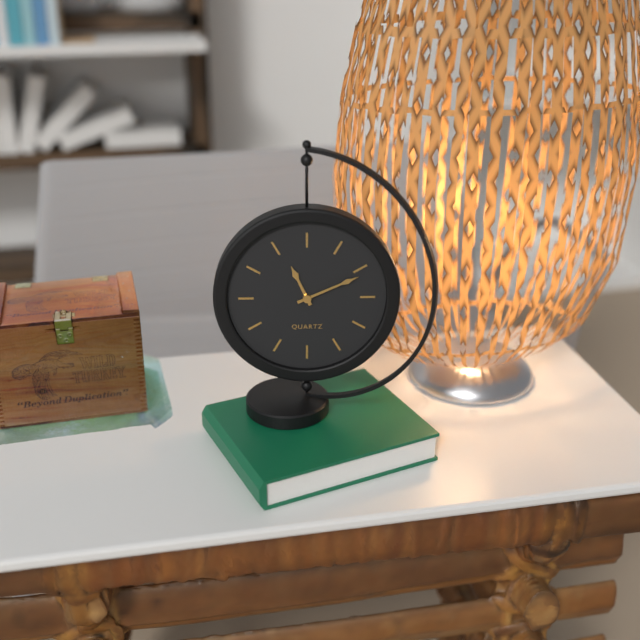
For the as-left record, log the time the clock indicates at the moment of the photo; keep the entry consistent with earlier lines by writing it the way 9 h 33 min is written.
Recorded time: 11 h 11 min
